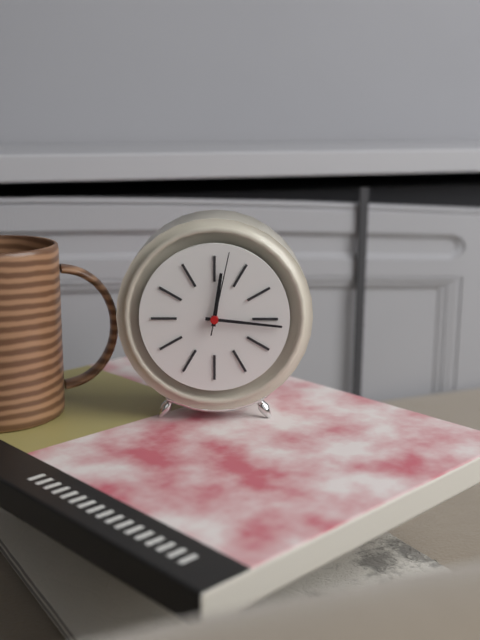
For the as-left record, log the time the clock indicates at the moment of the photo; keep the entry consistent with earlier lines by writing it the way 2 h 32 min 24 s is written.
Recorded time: 12 h 16 min 02 s
